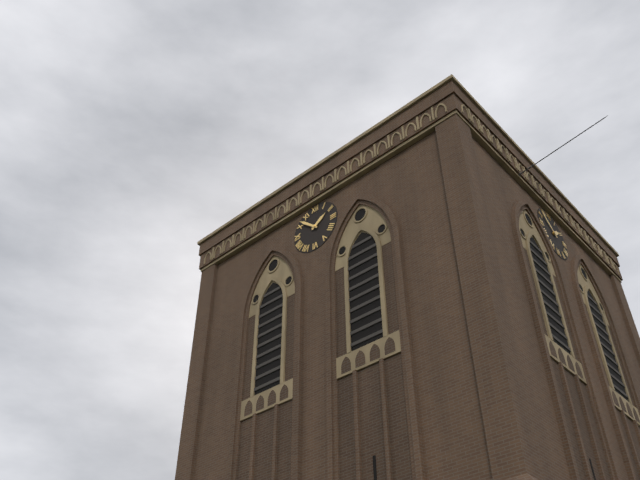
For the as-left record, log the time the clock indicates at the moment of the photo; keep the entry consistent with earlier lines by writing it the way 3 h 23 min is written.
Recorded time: 1 h 52 min
